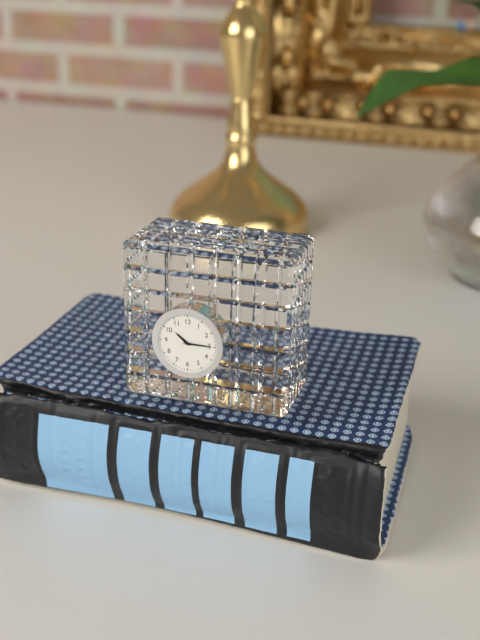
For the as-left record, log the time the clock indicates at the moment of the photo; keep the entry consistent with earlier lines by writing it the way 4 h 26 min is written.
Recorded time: 10 h 15 min
